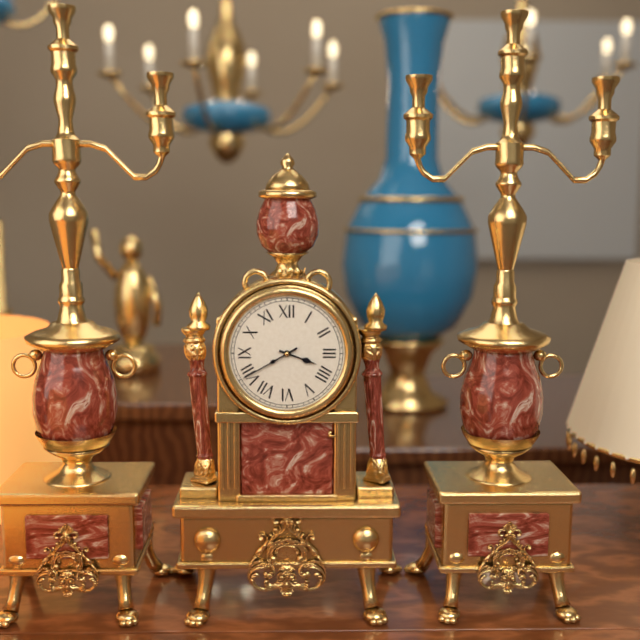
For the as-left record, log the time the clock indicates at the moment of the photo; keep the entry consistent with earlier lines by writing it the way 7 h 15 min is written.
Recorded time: 3 h 40 min
